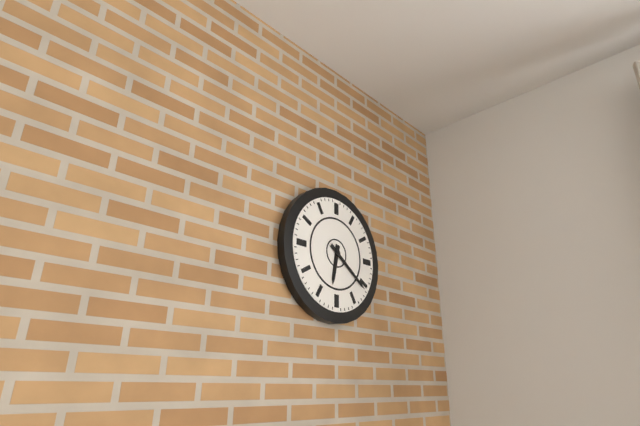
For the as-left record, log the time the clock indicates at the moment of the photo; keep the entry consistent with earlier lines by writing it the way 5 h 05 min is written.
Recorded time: 6 h 21 min
